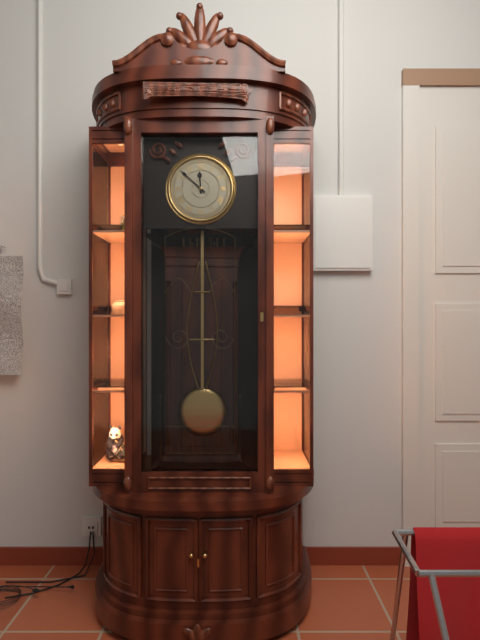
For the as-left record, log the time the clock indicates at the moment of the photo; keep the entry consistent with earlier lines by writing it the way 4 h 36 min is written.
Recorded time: 11 h 52 min
